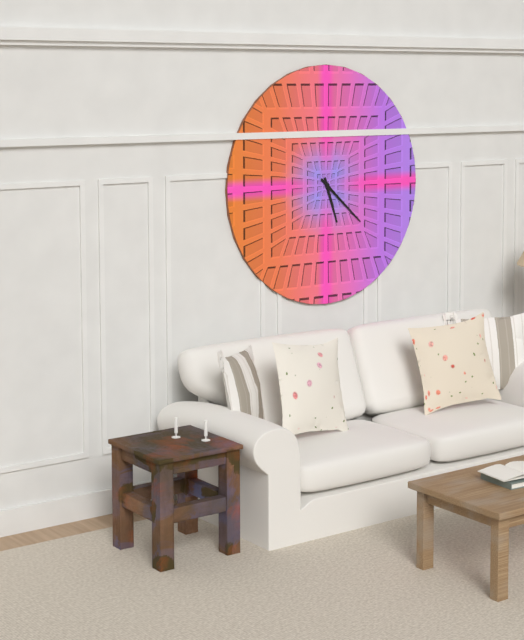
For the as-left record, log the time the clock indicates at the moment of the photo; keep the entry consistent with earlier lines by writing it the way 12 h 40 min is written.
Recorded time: 5 h 22 min
